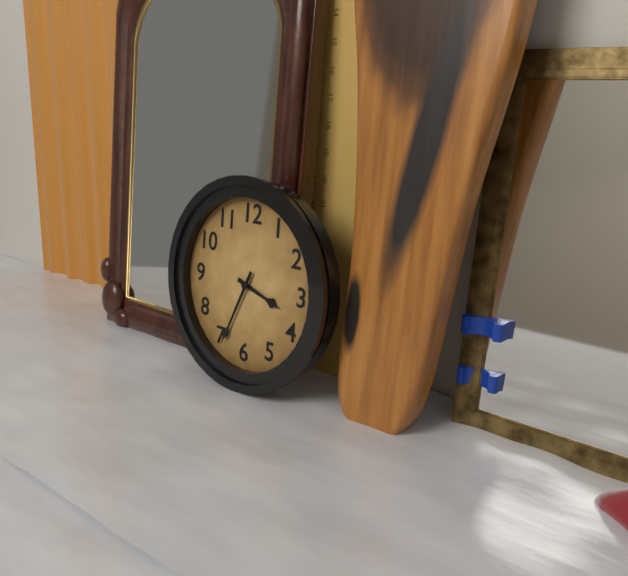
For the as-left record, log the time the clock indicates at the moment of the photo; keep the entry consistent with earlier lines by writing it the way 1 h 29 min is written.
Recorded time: 3 h 34 min
